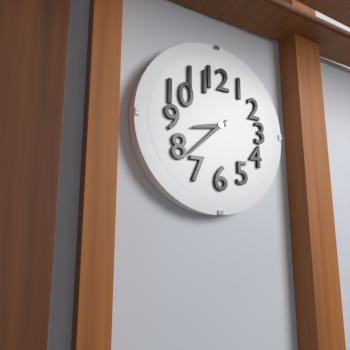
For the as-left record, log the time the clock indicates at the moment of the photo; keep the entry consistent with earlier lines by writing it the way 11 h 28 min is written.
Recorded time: 8 h 38 min
